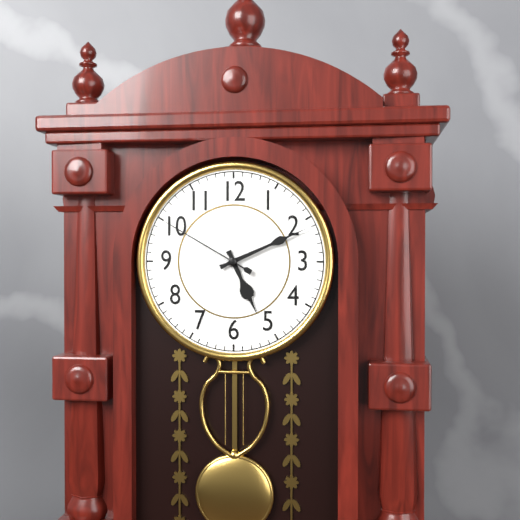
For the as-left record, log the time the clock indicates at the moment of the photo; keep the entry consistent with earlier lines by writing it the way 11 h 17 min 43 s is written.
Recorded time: 5 h 11 min 50 s
